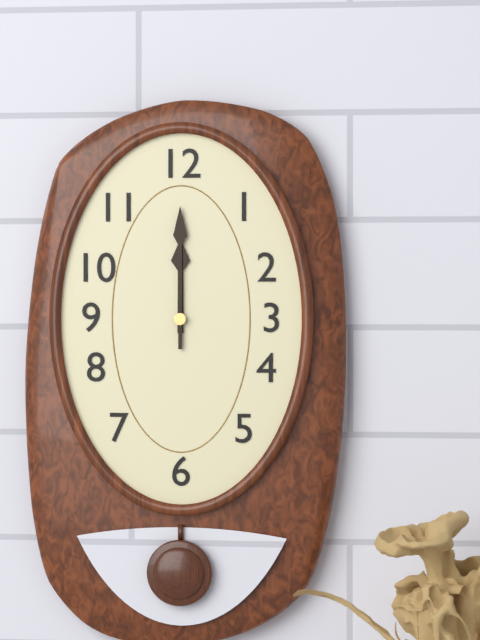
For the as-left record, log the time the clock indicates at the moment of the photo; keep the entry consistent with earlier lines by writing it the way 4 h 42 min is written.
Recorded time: 12 h 00 min
